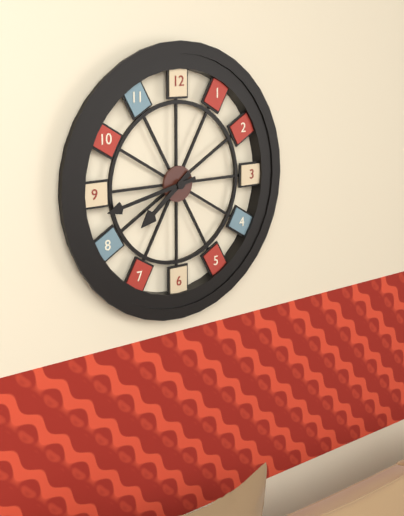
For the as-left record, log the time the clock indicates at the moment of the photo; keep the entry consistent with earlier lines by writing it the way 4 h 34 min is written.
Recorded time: 7 h 43 min
